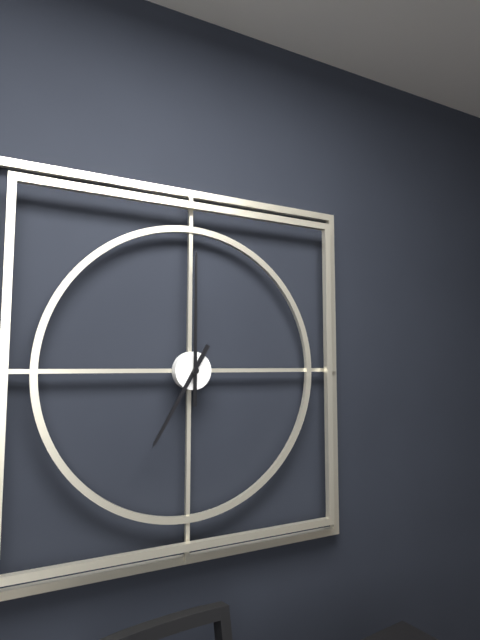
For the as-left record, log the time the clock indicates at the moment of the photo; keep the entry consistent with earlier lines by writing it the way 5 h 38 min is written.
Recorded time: 7 h 00 min
